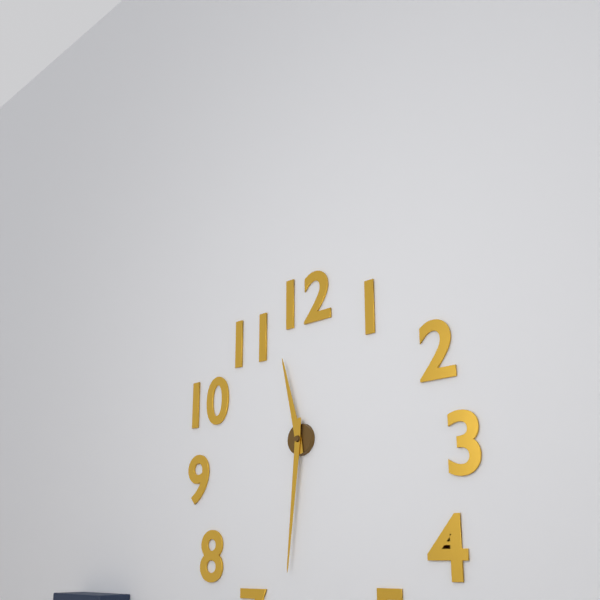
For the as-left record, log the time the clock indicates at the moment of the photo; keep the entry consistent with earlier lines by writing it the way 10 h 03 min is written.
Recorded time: 11 h 31 min
